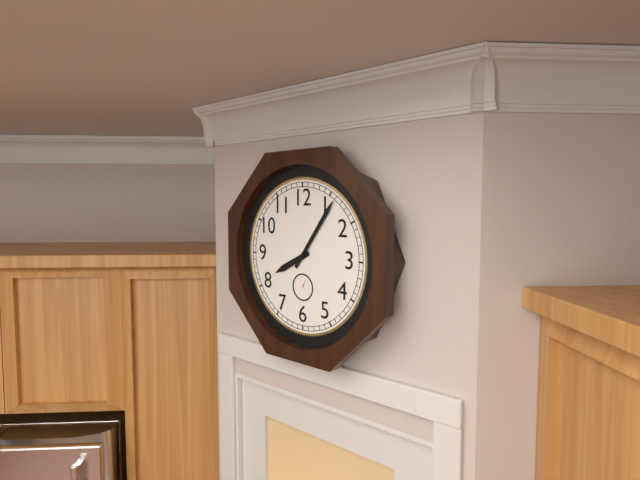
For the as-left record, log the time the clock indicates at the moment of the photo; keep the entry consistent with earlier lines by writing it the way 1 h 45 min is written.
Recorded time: 8 h 06 min
